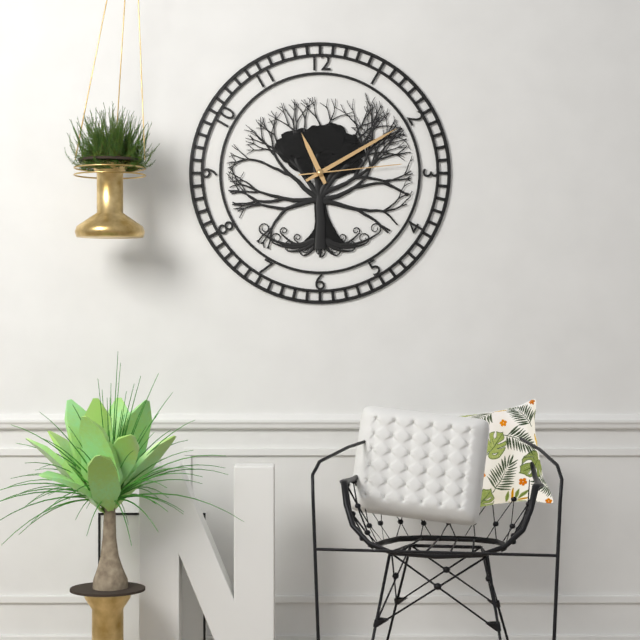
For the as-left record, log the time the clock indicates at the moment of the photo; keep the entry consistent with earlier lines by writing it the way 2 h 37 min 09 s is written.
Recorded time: 11 h 10 min 14 s
